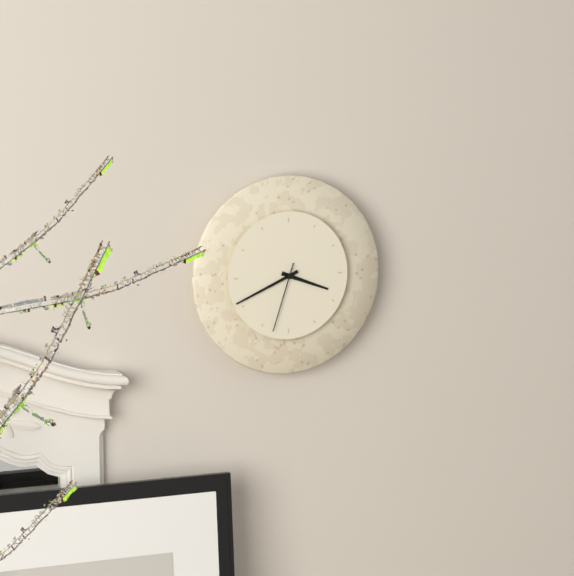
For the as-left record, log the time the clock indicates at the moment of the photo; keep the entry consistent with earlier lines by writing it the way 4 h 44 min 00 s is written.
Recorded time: 3 h 41 min 33 s
